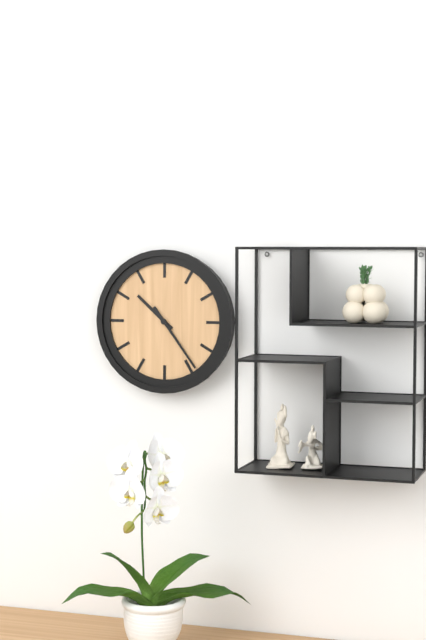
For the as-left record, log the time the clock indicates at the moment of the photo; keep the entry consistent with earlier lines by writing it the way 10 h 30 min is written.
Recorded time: 10 h 24 min
